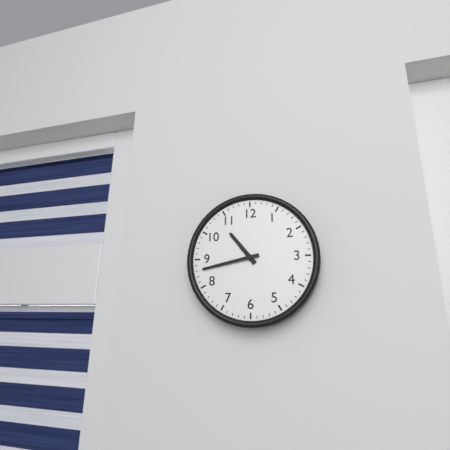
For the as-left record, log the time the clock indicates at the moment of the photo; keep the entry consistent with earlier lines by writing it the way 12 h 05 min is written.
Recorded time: 10 h 43 min
